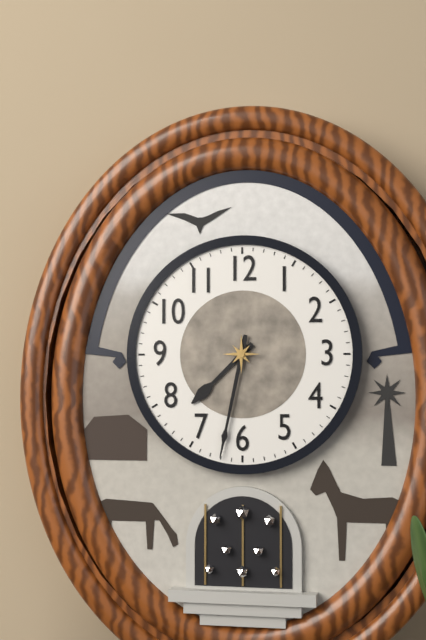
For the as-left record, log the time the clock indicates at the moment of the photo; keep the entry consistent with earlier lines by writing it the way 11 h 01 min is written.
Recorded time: 7 h 32 min
